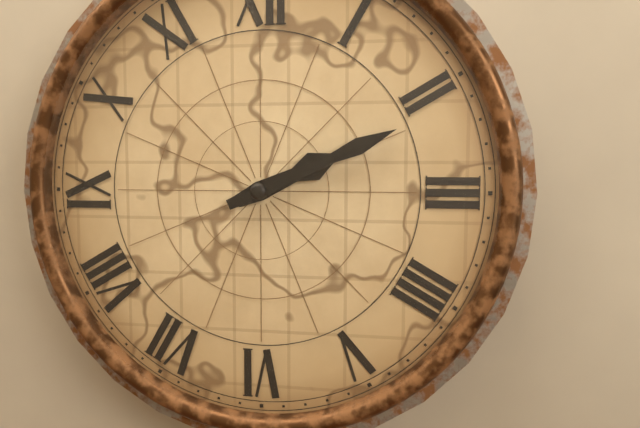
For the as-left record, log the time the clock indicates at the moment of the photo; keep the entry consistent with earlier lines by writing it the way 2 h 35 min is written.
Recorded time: 2 h 11 min
